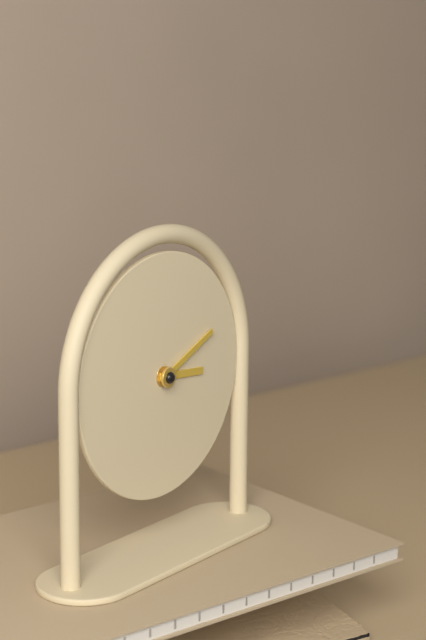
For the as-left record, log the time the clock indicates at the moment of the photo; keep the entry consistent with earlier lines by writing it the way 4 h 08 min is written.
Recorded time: 3 h 11 min
